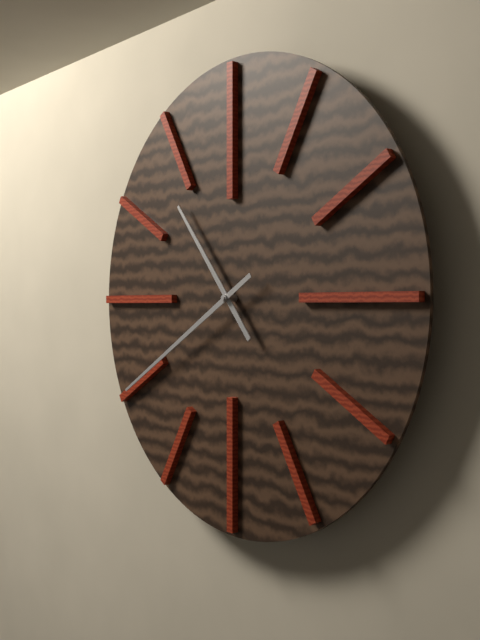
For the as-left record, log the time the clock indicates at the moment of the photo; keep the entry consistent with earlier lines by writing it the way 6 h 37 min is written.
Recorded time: 10 h 40 min
